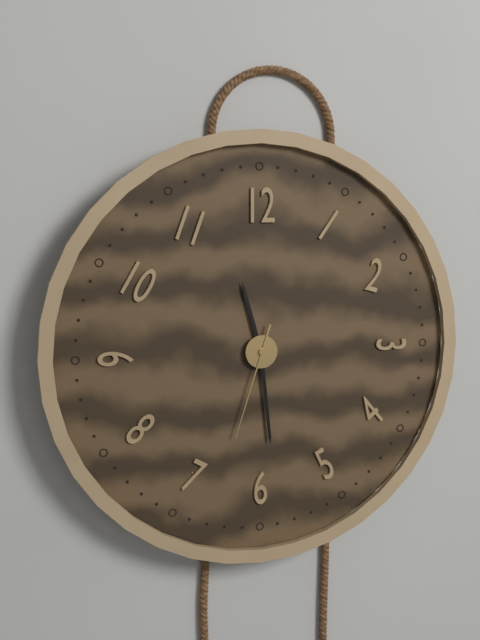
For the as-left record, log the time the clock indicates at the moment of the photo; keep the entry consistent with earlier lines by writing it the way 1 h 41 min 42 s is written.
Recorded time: 11 h 29 min 33 s
